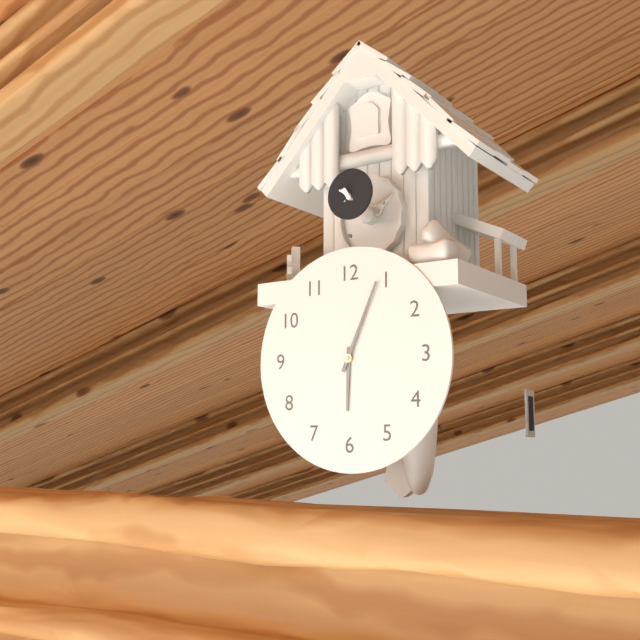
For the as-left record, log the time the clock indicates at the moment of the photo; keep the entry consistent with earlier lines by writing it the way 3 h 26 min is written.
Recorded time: 6 h 04 min
